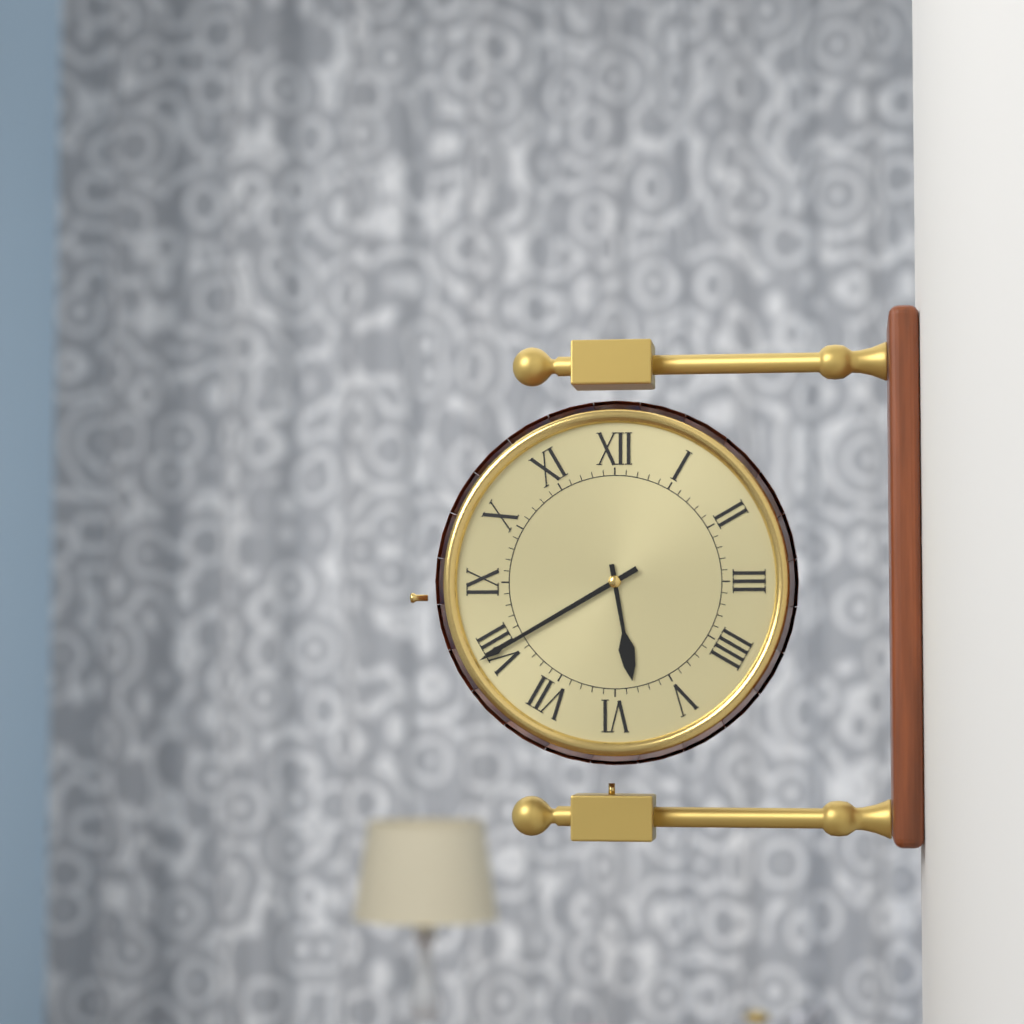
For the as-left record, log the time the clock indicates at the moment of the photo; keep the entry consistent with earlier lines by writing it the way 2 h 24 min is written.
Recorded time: 5 h 40 min
